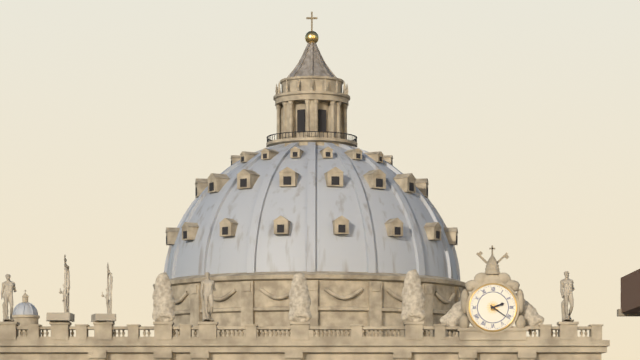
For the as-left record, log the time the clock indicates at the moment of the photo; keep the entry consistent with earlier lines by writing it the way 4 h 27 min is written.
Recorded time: 2 h 21 min
